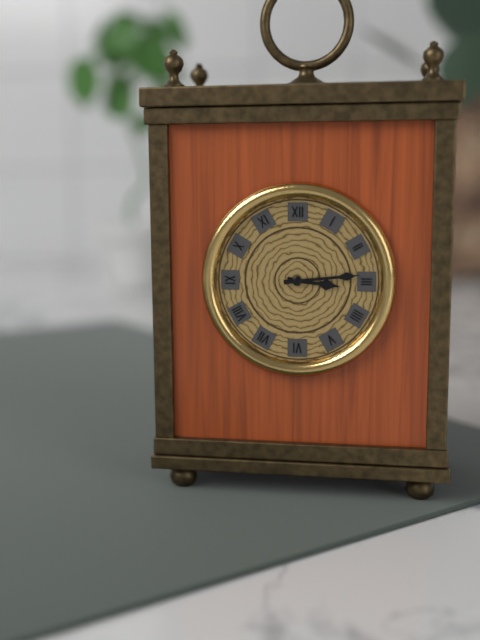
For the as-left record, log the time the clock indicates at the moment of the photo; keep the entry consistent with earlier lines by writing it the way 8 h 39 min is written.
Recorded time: 3 h 14 min
